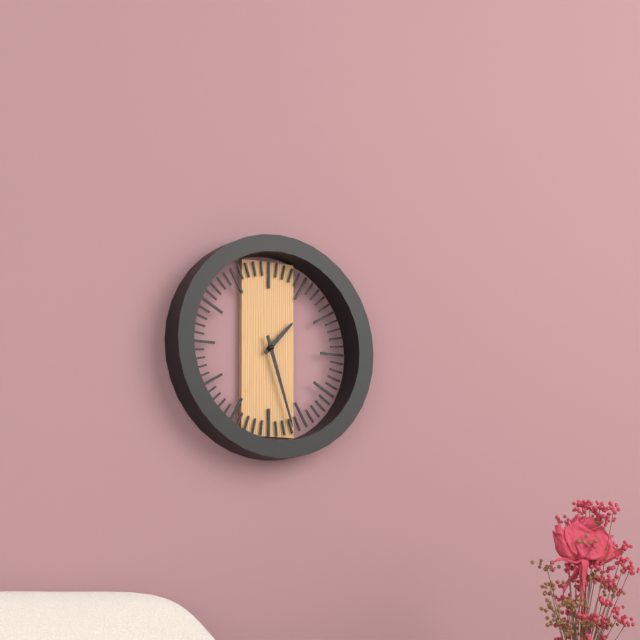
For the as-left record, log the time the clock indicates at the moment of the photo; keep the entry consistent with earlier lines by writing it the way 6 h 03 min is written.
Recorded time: 1 h 27 min
